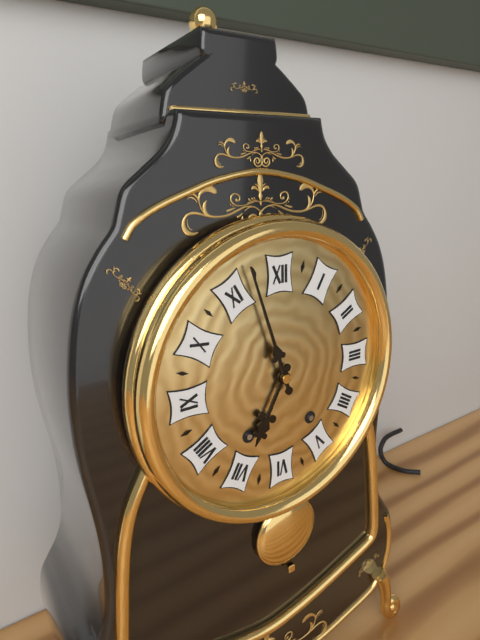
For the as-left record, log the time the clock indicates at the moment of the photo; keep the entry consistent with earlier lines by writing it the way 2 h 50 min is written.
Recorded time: 6 h 57 min
